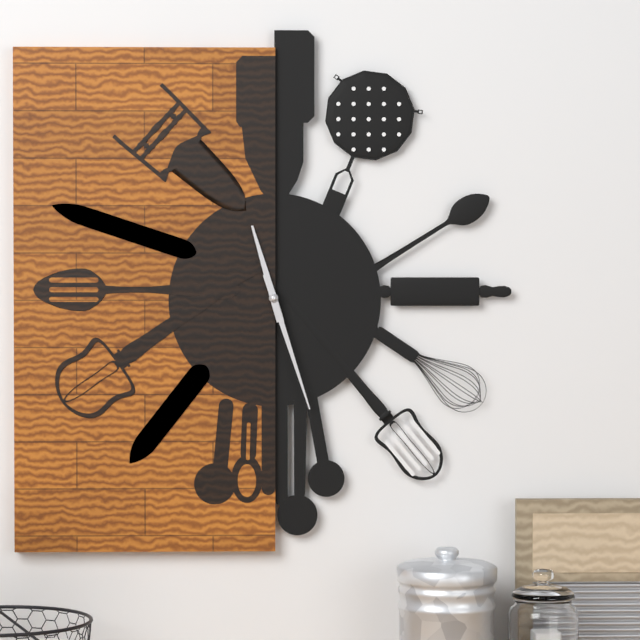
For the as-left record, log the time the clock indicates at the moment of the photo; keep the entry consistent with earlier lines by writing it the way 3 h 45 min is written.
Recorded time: 11 h 27 min
